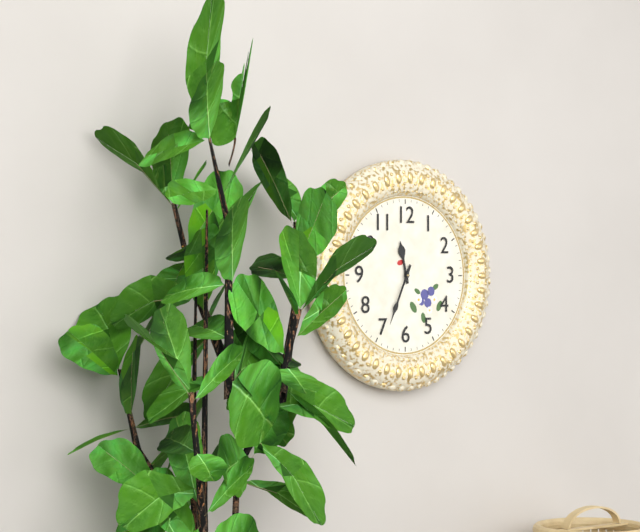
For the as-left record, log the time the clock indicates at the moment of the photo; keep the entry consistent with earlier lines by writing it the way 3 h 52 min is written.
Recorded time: 11 h 34 min
